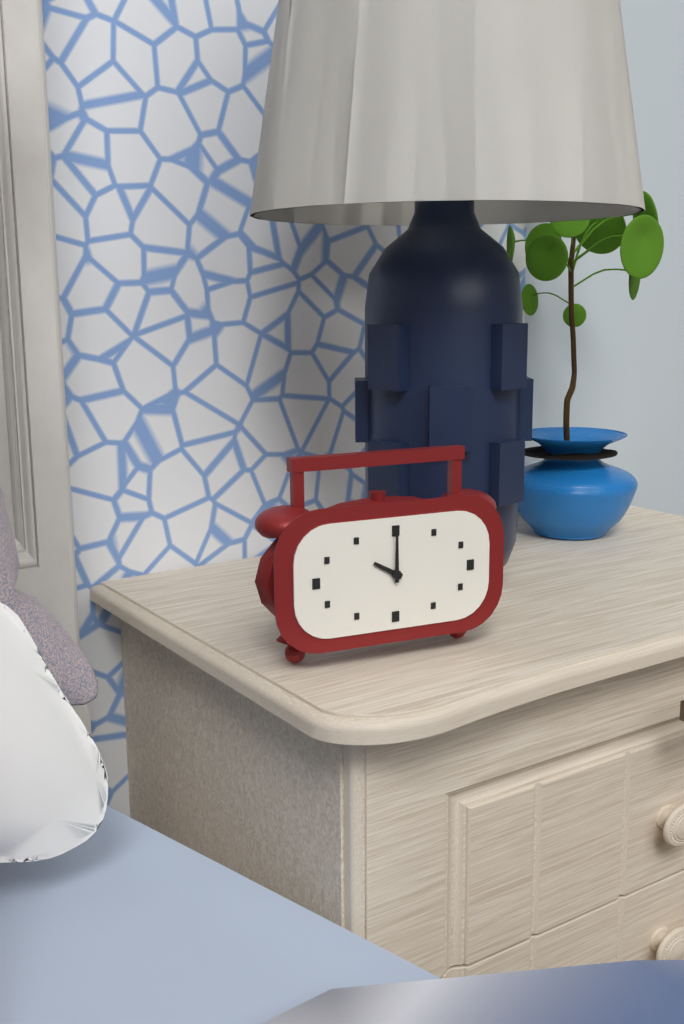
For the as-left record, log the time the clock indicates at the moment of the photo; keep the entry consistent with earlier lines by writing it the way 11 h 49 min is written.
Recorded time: 10 h 00 min
